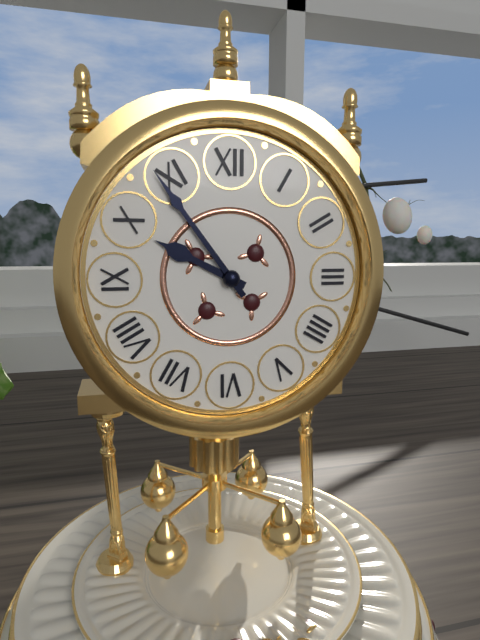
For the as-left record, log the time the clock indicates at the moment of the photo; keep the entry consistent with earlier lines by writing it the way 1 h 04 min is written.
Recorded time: 9 h 54 min
